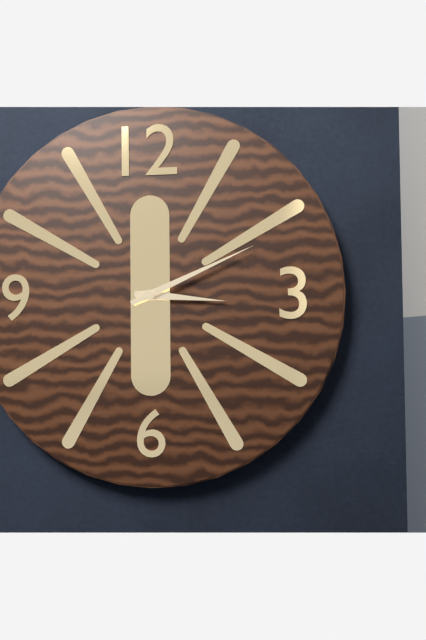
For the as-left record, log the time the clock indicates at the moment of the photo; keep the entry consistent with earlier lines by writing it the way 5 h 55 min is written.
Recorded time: 3 h 11 min
